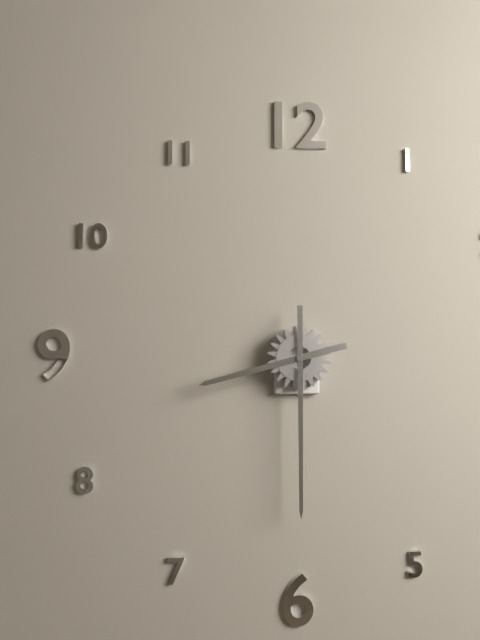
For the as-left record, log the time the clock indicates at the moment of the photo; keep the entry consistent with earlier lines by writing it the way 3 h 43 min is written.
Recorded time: 8 h 30 min
